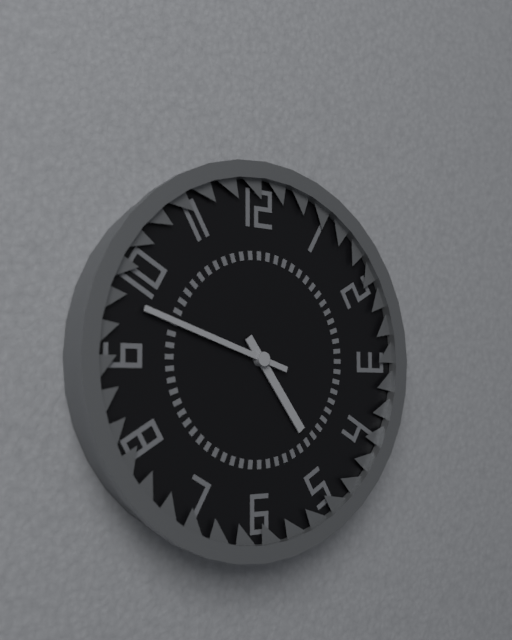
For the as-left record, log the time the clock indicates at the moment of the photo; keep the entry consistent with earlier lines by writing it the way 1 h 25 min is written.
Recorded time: 4 h 48 min
